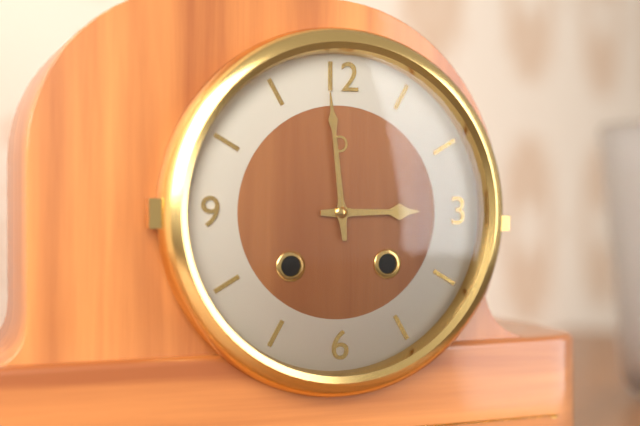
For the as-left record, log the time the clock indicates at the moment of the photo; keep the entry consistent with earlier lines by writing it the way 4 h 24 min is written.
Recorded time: 2 h 59 min
